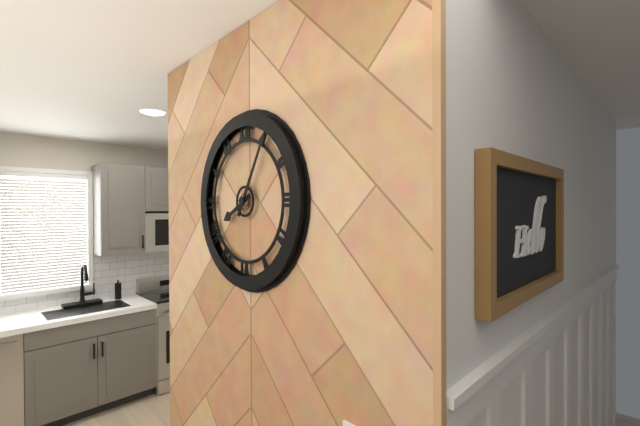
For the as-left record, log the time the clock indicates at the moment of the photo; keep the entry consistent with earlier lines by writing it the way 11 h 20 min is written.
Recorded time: 8 h 05 min
